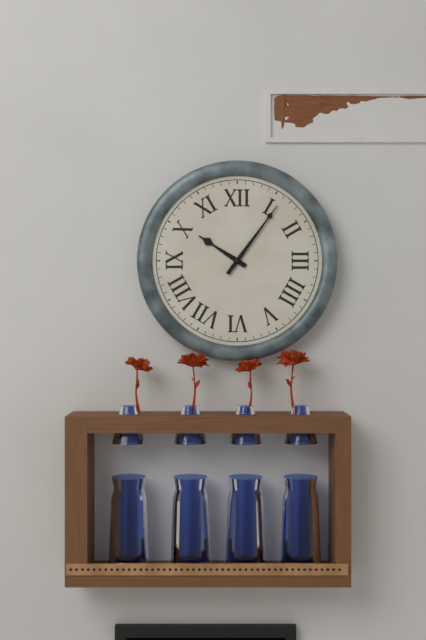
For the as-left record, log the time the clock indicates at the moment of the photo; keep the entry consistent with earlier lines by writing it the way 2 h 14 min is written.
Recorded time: 10 h 06 min
